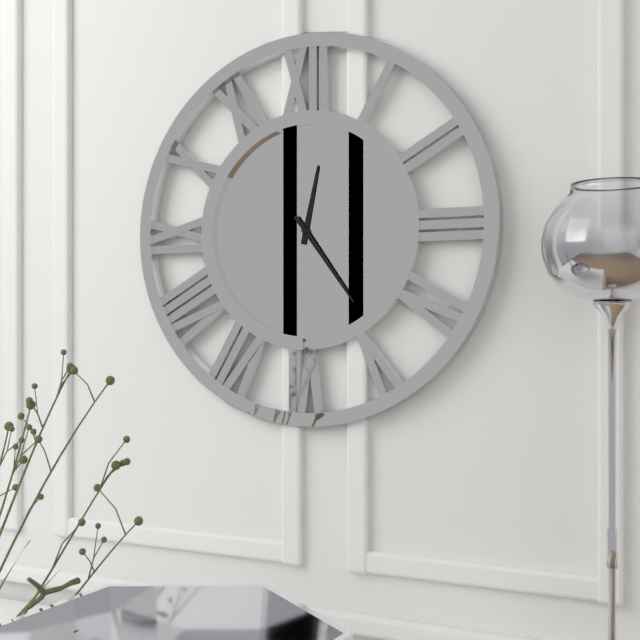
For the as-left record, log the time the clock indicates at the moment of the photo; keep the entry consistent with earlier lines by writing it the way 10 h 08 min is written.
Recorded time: 12 h 24 min
